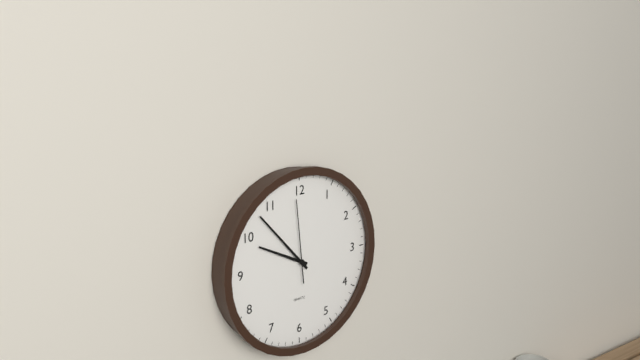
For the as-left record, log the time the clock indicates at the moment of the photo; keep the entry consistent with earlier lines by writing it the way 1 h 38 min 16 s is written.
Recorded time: 9 h 53 min 59 s
